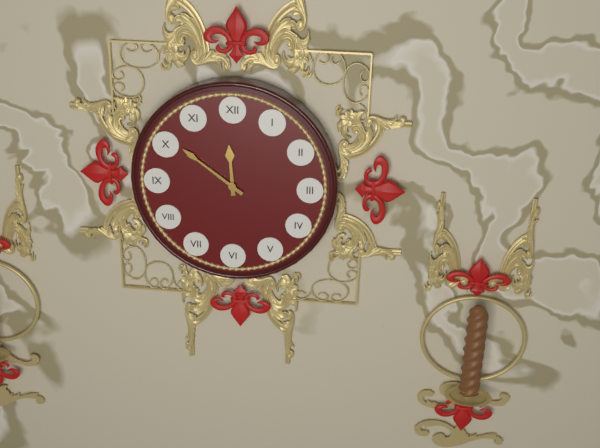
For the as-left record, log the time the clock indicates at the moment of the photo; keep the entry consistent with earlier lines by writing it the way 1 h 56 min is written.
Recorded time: 11 h 51 min
